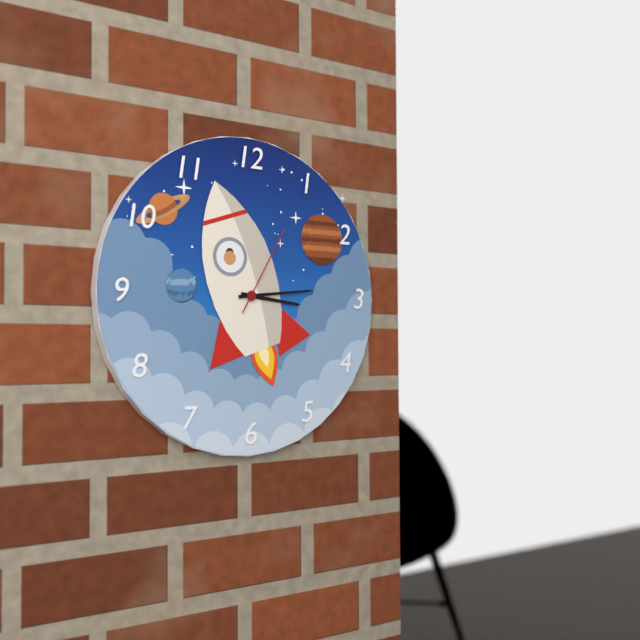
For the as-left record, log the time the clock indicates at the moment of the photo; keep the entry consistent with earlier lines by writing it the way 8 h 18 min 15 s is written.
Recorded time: 3 h 14 min 05 s
